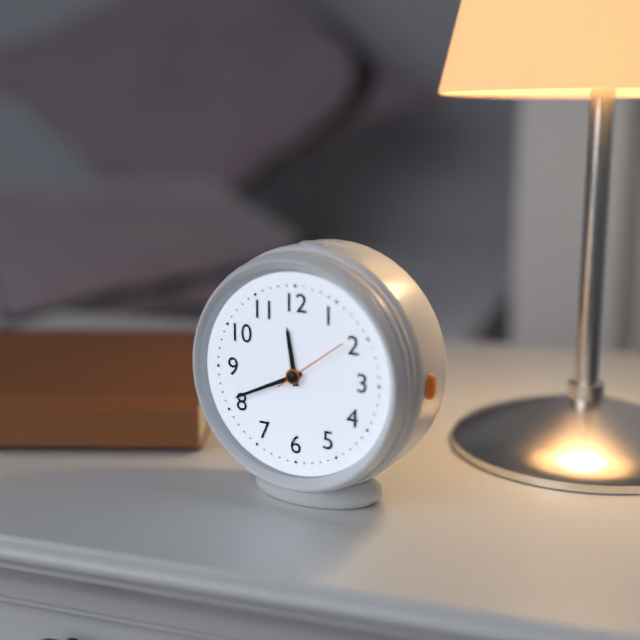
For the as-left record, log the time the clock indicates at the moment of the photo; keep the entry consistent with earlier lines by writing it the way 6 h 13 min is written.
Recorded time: 11 h 41 min
